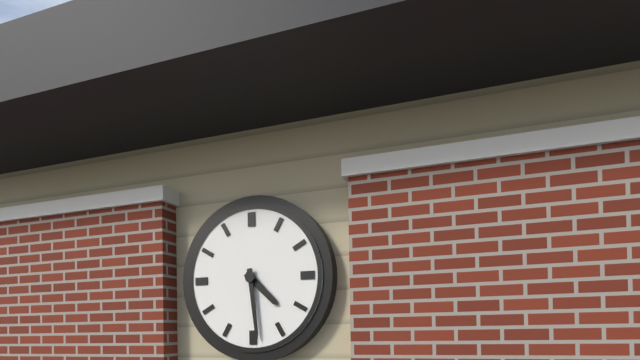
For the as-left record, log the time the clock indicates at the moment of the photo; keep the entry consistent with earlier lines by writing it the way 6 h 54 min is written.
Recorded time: 4 h 29 min
